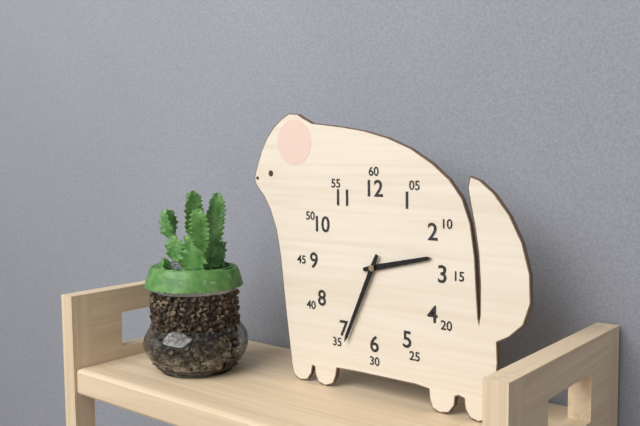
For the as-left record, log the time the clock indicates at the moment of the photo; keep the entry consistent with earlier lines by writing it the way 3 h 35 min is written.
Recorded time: 2 h 34 min
